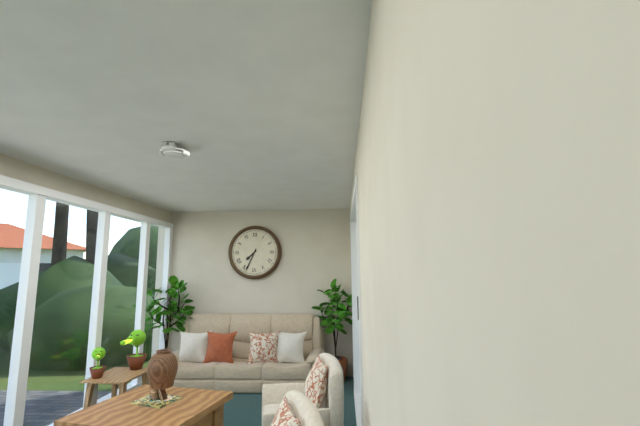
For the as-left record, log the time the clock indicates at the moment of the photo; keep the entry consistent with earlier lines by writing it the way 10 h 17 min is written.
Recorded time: 7 h 34 min
